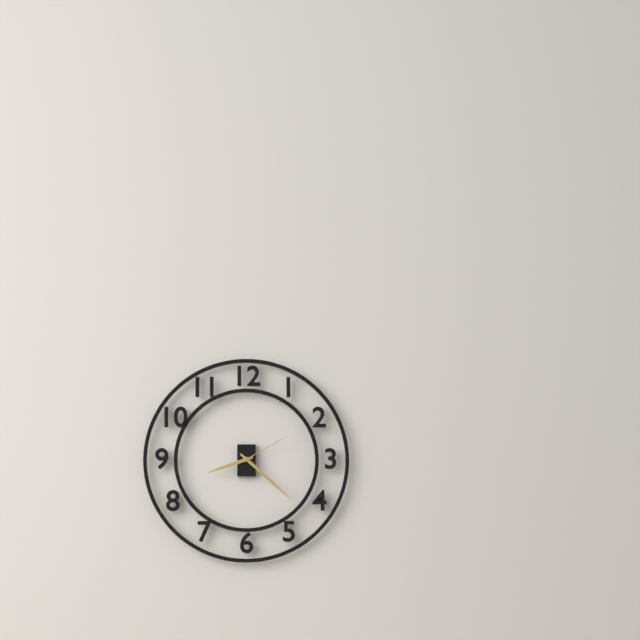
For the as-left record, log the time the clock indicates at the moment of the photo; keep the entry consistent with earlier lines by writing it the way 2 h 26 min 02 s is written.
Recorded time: 8 h 22 min 10 s
